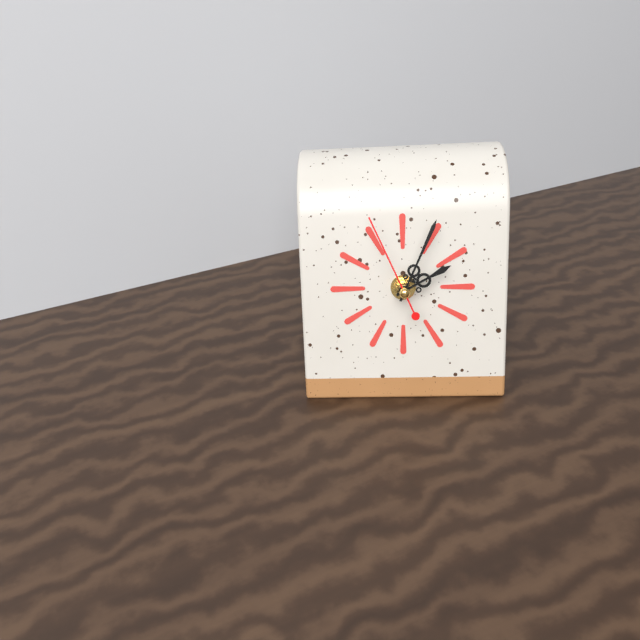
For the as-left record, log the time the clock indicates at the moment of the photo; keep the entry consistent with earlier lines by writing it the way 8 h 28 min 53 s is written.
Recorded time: 2 h 04 min 56 s
